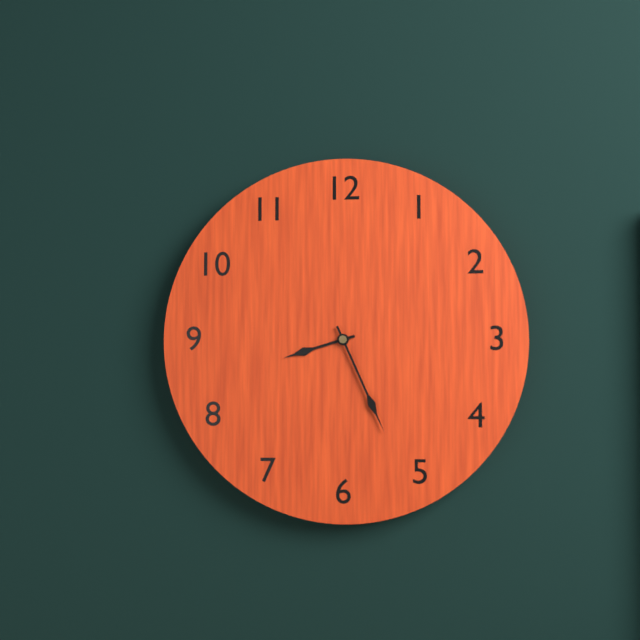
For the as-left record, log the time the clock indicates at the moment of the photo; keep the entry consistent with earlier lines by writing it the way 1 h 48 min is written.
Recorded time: 8 h 26 min
